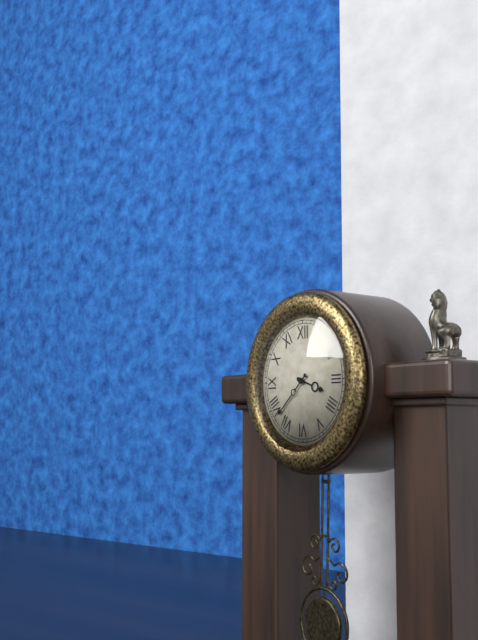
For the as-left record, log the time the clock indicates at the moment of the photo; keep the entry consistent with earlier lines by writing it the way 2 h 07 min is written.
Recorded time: 3 h 38 min
